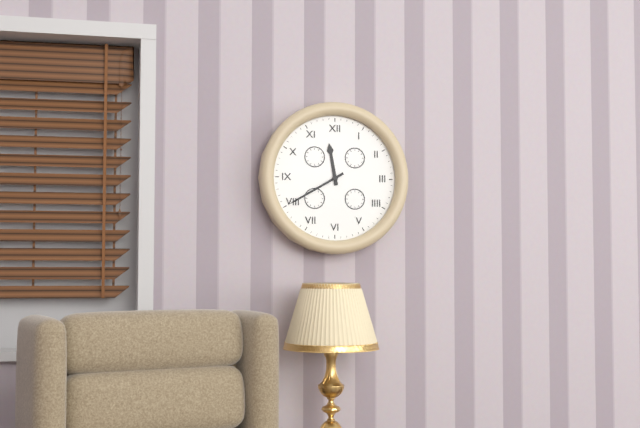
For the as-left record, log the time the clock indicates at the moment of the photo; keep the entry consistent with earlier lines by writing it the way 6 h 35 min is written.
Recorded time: 11 h 40 min
